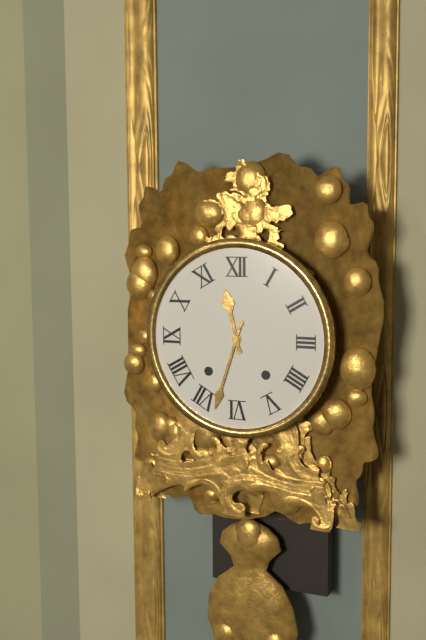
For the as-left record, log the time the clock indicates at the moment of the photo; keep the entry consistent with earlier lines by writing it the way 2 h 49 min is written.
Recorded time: 11 h 33 min
